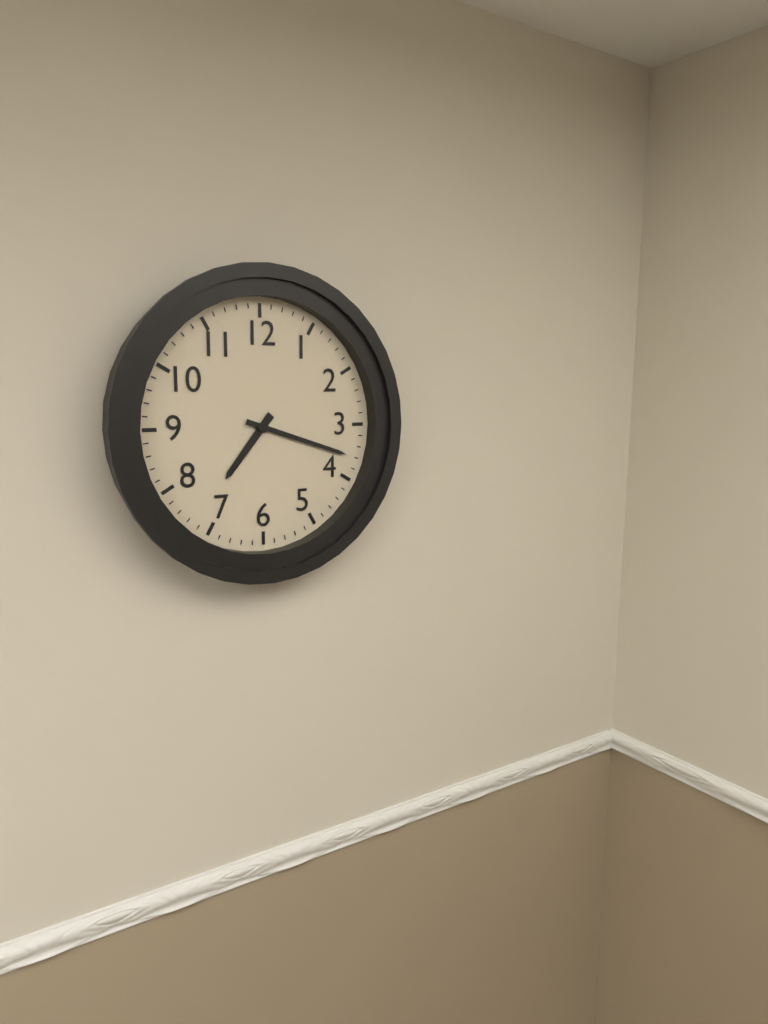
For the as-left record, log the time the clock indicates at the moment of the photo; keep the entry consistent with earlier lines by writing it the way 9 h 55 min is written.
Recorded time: 7 h 18 min
